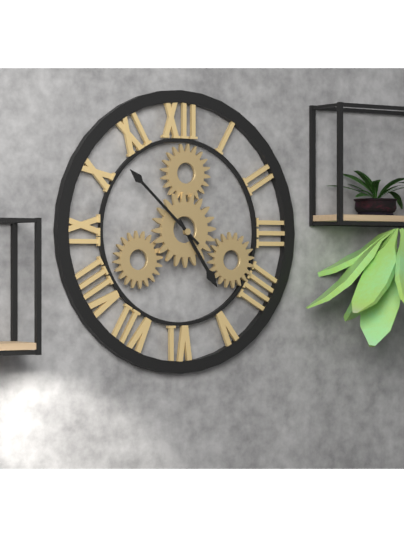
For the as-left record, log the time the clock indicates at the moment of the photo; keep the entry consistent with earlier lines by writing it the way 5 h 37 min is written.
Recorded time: 4 h 52 min
